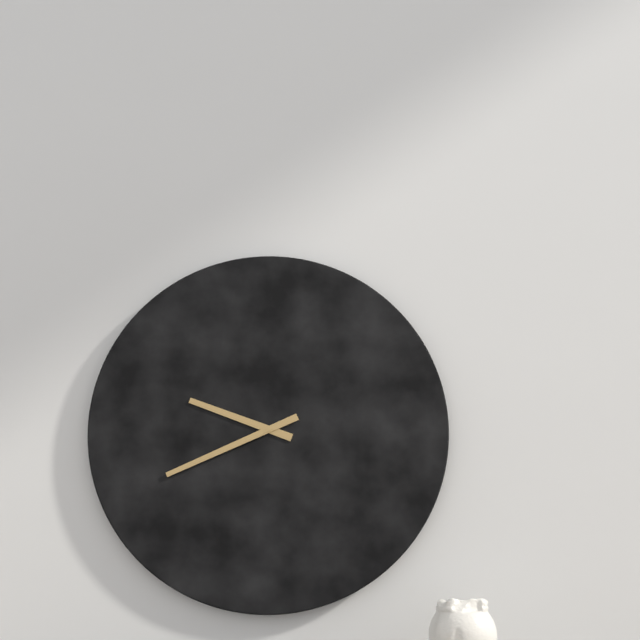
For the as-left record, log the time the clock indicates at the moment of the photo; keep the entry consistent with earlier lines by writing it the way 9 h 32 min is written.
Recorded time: 9 h 41 min
